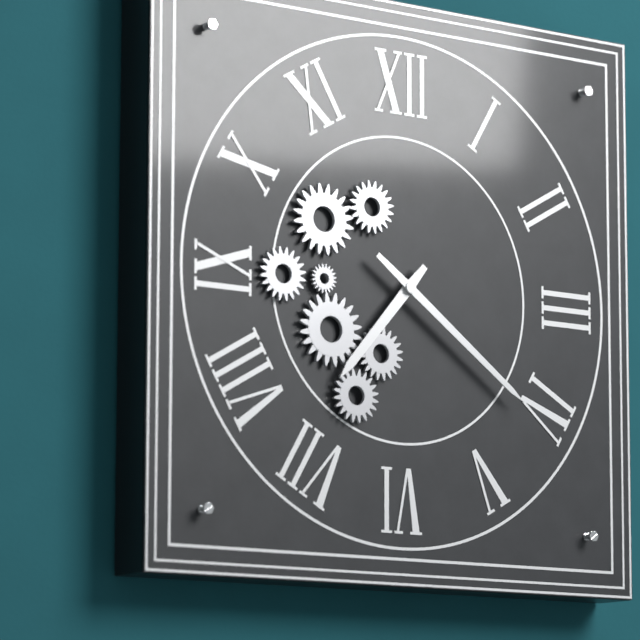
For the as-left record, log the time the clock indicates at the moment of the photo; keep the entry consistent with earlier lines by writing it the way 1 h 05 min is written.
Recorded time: 7 h 21 min
